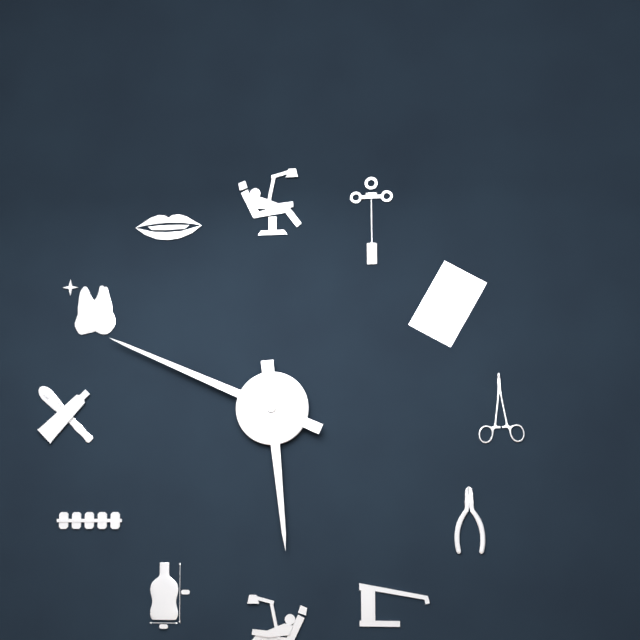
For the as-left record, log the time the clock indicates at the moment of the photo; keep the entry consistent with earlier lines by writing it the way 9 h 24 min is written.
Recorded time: 5 h 49 min
